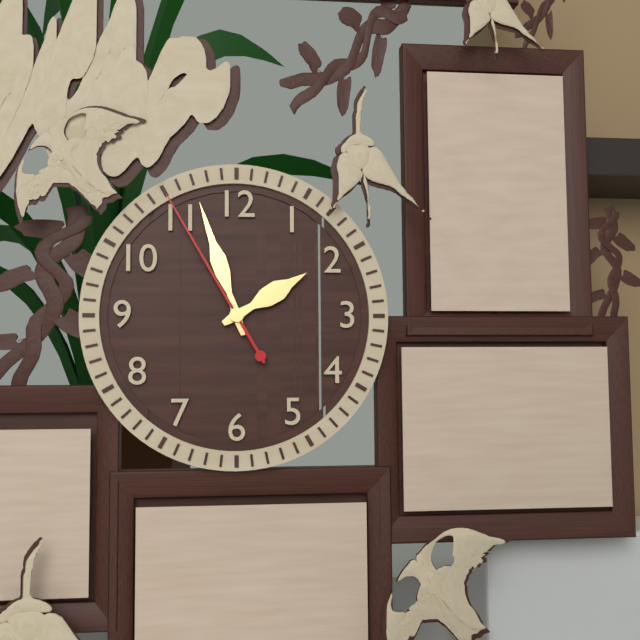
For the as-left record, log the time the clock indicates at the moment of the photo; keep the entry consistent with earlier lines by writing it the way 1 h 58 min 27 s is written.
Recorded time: 1 h 57 min 55 s
